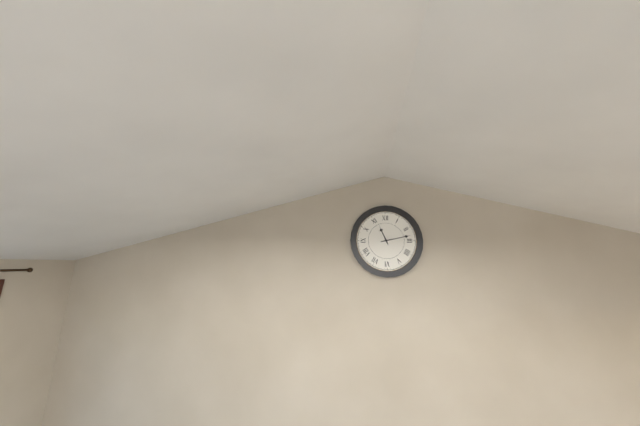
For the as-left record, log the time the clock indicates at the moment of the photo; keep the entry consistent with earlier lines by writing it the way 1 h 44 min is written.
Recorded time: 11 h 13 min
